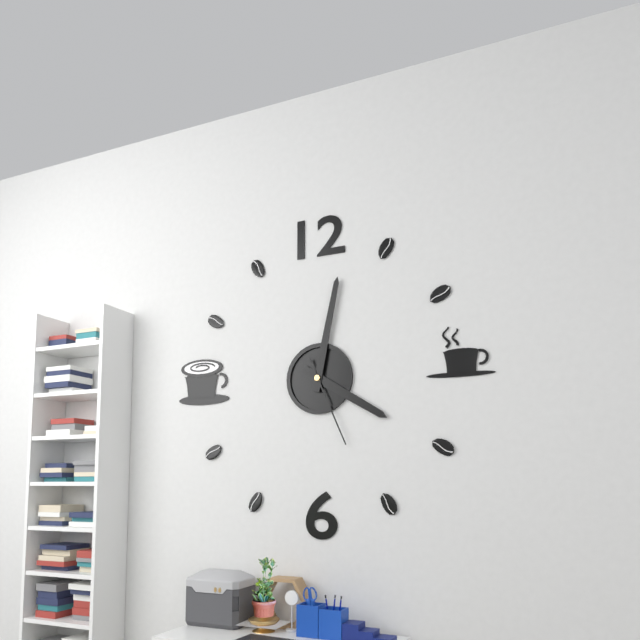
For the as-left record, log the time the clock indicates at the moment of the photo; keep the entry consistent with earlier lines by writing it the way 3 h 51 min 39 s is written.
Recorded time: 4 h 02 min 26 s
